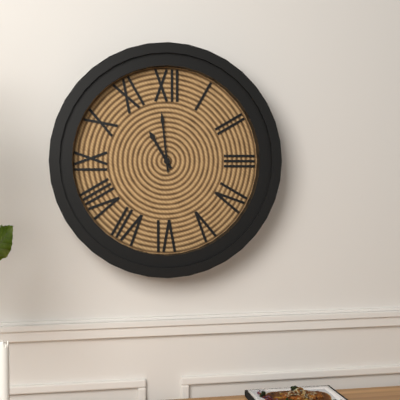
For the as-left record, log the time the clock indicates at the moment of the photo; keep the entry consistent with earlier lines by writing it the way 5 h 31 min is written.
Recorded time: 10 h 59 min
